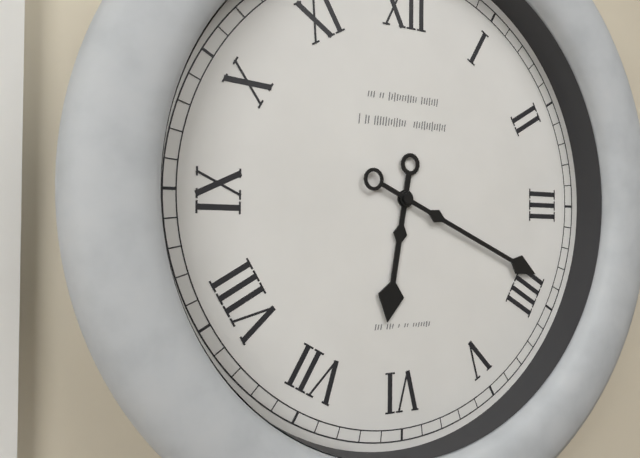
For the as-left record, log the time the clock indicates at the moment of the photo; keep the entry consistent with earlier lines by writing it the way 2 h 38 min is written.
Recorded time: 6 h 19 min
